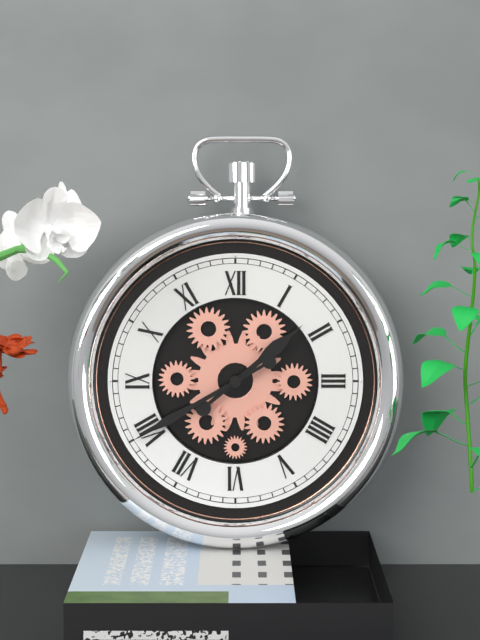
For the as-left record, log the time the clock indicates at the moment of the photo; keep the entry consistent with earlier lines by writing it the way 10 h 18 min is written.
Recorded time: 1 h 40 min
